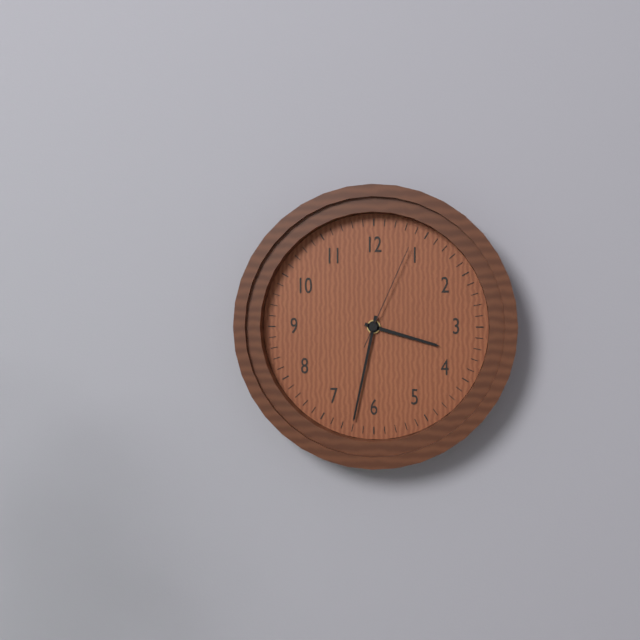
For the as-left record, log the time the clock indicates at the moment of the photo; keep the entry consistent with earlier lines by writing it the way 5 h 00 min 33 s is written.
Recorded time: 3 h 32 min 04 s
